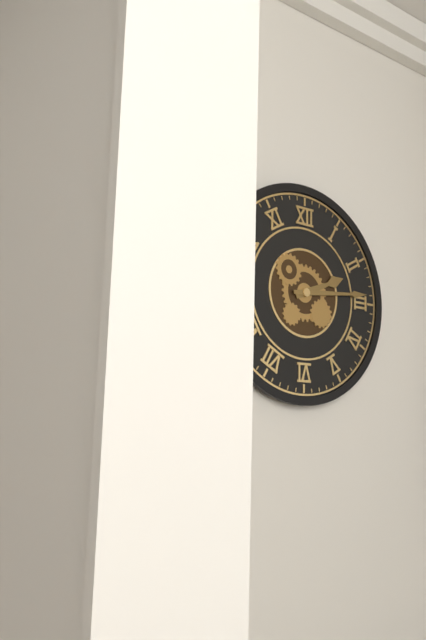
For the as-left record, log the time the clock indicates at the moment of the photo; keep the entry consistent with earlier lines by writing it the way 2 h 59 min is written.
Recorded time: 2 h 14 min
